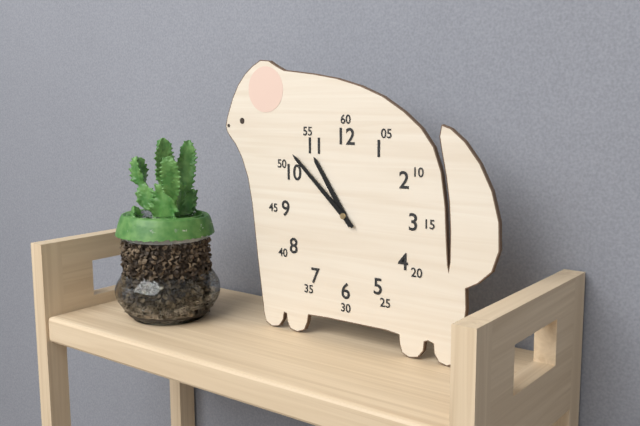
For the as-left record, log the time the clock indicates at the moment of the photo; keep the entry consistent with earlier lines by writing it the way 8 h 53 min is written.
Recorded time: 10 h 52 min
